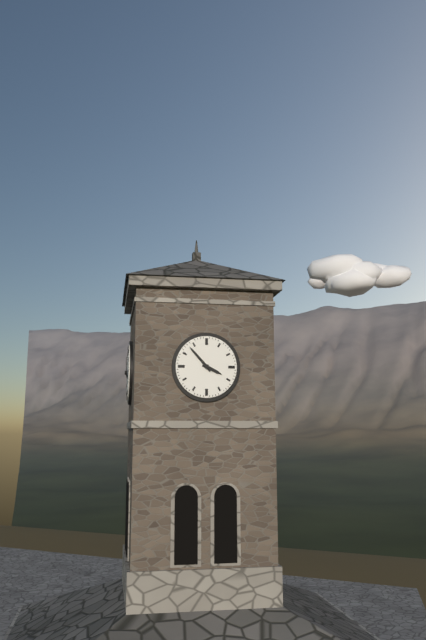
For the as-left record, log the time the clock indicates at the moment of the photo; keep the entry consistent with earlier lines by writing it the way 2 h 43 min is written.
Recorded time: 3 h 53 min
